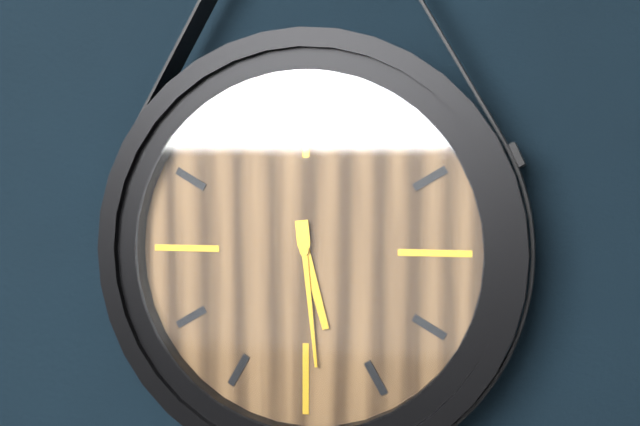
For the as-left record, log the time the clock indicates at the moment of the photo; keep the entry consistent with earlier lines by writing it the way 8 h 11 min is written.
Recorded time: 5 h 29 min
